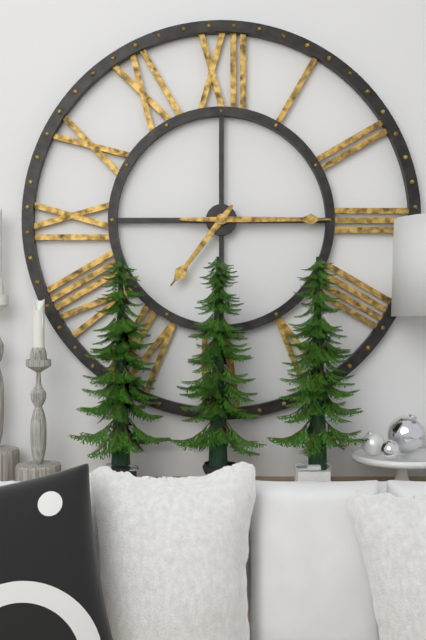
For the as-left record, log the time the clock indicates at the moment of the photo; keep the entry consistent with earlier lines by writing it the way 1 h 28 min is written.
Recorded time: 7 h 15 min
